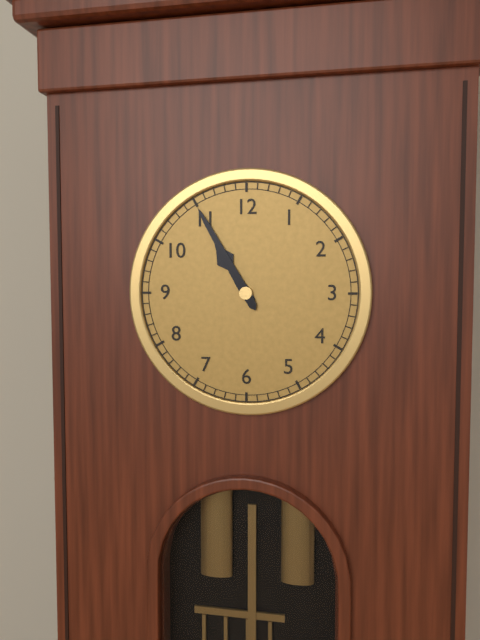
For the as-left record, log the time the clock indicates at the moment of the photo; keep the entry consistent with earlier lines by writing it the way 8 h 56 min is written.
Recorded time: 10 h 55 min
